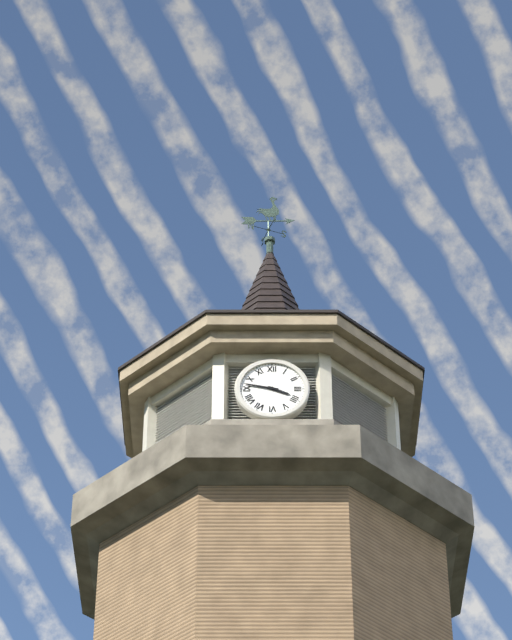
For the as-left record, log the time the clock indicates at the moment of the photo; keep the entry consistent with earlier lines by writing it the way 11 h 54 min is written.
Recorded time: 3 h 47 min
